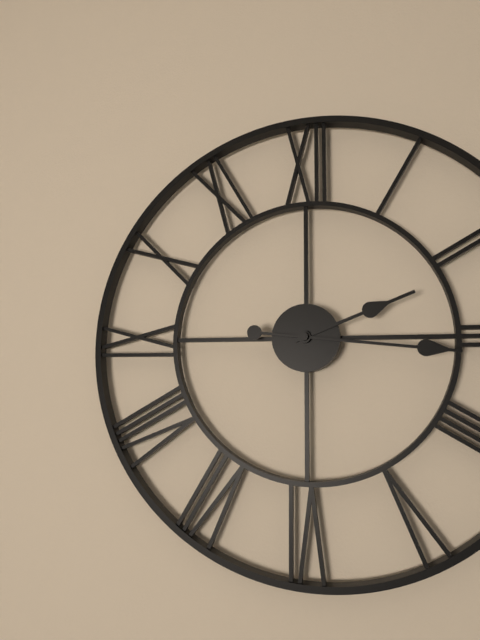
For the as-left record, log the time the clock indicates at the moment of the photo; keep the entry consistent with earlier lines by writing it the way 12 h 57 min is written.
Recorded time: 2 h 16 min
